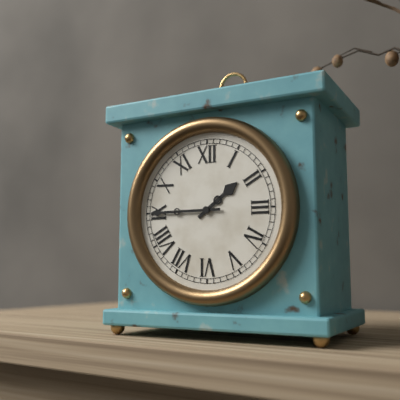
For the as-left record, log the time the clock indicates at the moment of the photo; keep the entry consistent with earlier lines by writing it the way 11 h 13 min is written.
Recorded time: 1 h 45 min
